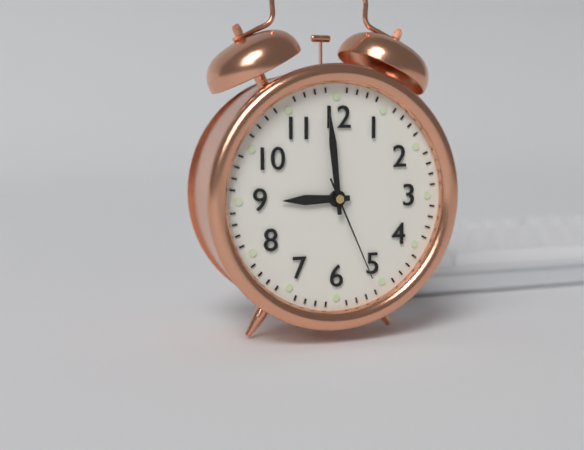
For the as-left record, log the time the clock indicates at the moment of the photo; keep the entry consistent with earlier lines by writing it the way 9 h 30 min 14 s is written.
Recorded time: 8 h 59 min 26 s
